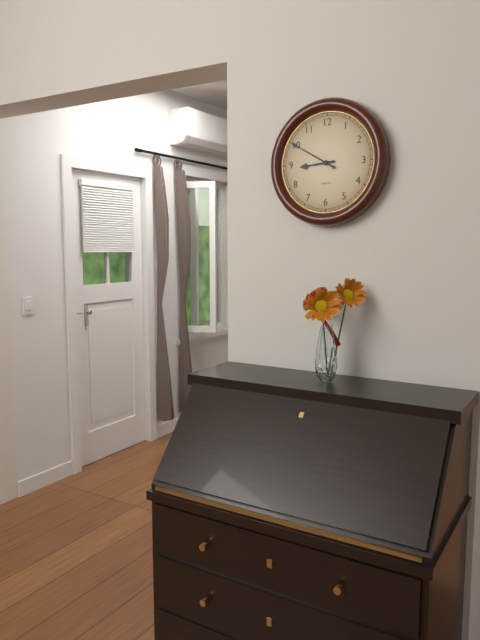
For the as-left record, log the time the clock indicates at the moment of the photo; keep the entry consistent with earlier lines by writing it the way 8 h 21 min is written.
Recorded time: 8 h 50 min
